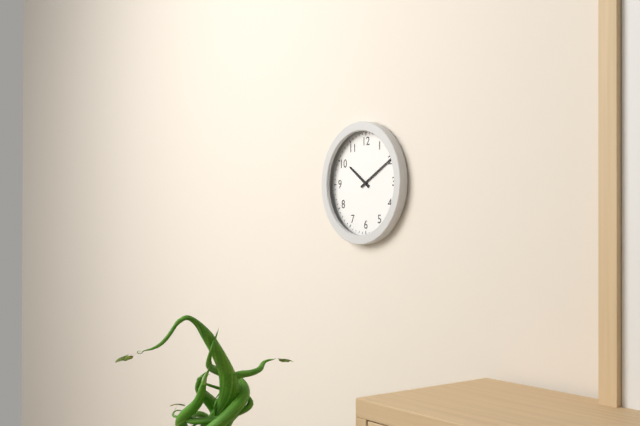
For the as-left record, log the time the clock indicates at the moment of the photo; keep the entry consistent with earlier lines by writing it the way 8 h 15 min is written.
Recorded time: 10 h 10 min
